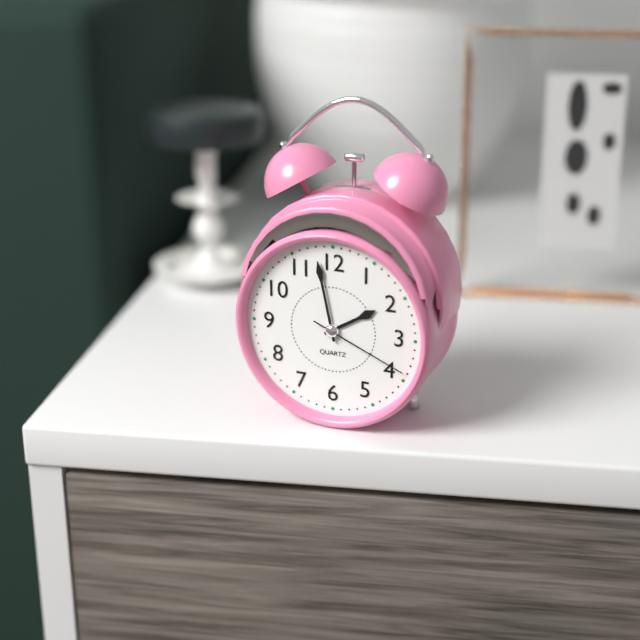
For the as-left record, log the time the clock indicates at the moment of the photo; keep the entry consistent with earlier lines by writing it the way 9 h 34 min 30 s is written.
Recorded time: 1 h 58 min 19 s
